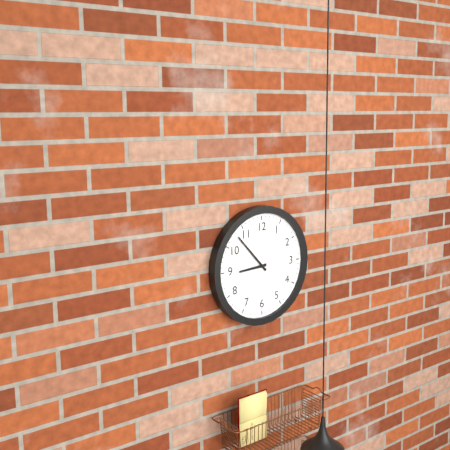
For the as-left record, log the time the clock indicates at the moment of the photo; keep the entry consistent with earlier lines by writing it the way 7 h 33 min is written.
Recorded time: 8 h 53 min
